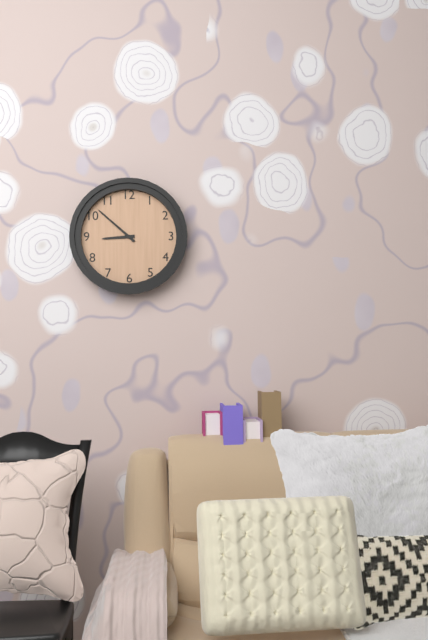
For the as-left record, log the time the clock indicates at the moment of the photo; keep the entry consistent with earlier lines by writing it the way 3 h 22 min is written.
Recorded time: 8 h 52 min
